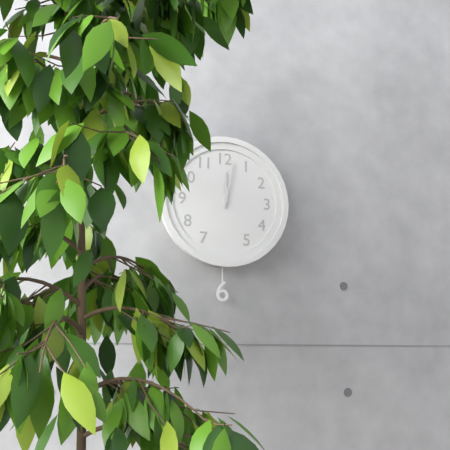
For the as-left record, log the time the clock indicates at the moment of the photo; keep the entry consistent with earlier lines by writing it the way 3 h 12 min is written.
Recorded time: 12 h 02 min
